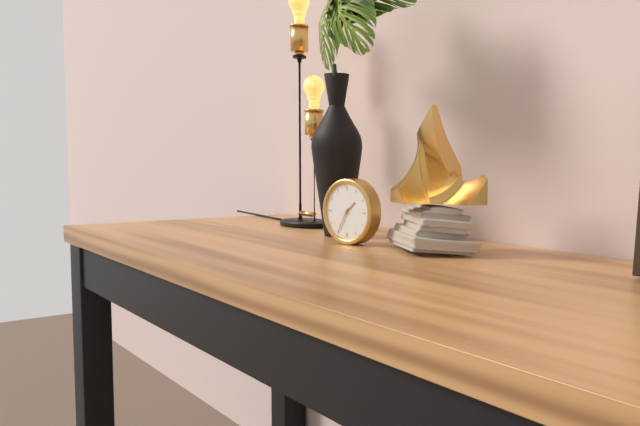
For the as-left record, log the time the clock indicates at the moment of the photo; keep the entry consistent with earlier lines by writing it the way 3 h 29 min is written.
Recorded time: 1 h 35 min
